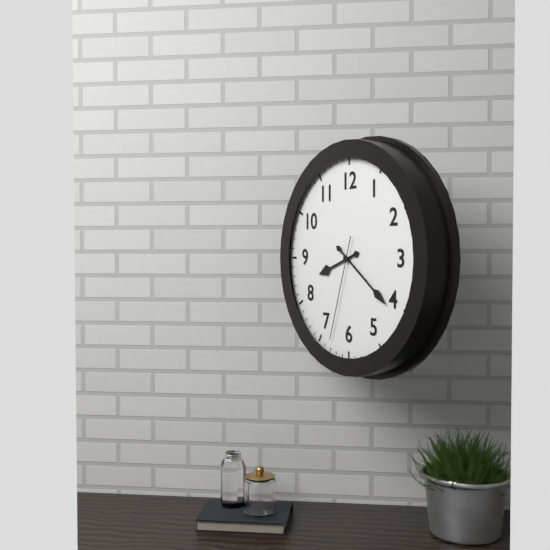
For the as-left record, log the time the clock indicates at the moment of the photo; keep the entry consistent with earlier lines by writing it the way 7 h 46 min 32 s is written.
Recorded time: 8 h 21 min 33 s
